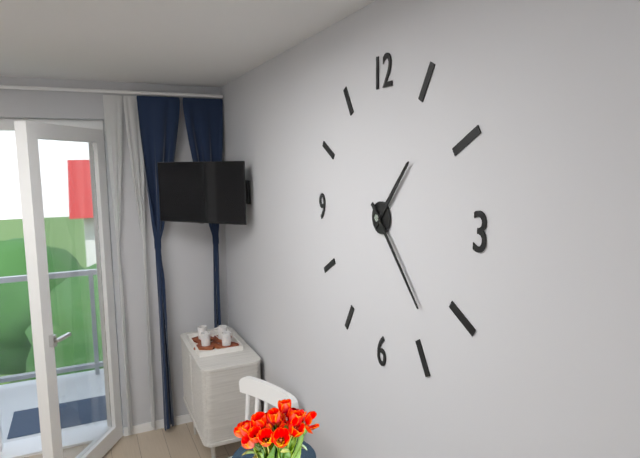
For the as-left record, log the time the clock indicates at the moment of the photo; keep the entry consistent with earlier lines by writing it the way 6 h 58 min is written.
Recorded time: 1 h 23 min
